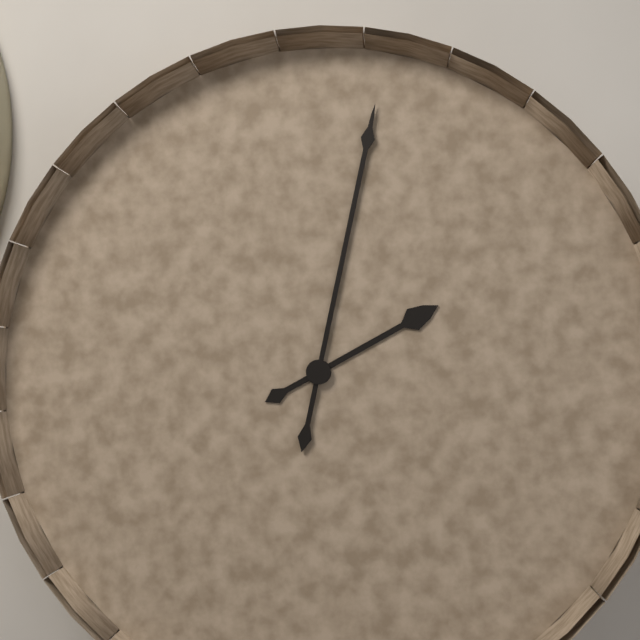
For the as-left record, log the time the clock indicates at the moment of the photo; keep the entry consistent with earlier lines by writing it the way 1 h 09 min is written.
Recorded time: 2 h 02 min
